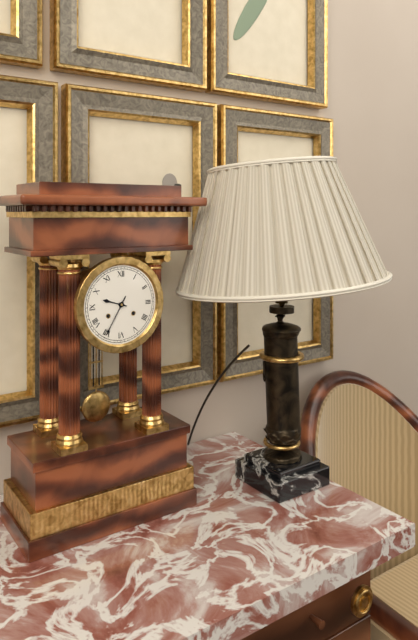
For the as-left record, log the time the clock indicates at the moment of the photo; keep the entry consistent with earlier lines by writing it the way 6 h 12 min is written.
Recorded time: 9 h 35 min
